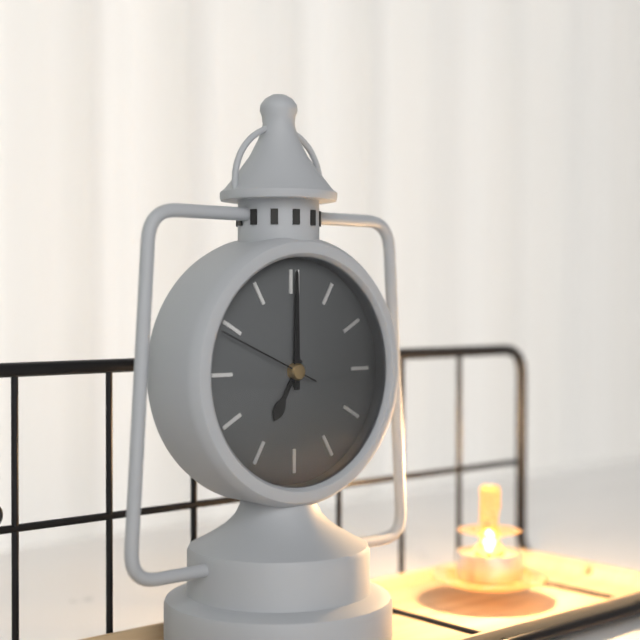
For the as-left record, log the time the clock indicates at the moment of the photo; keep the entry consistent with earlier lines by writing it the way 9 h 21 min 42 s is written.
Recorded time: 7 h 00 min 49 s
